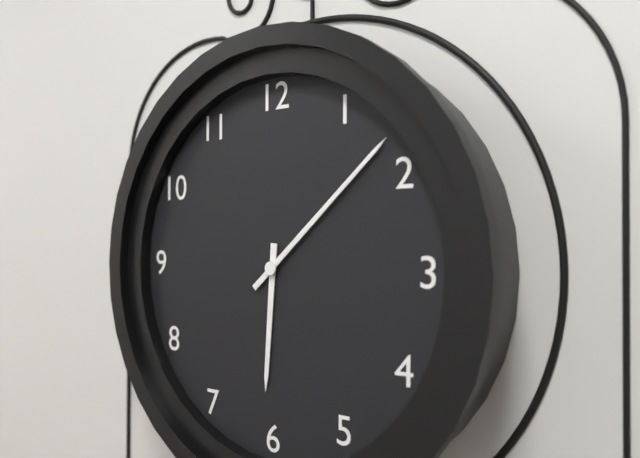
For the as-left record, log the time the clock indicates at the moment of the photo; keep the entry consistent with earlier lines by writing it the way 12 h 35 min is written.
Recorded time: 6 h 08 min
